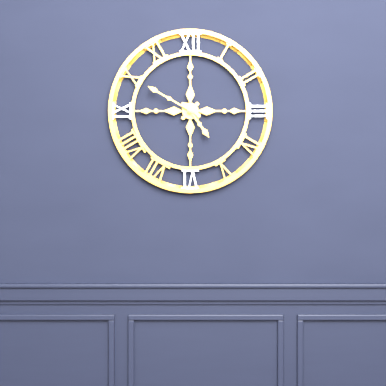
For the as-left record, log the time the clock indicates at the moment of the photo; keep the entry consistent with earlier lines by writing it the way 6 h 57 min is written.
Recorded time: 4 h 50 min
